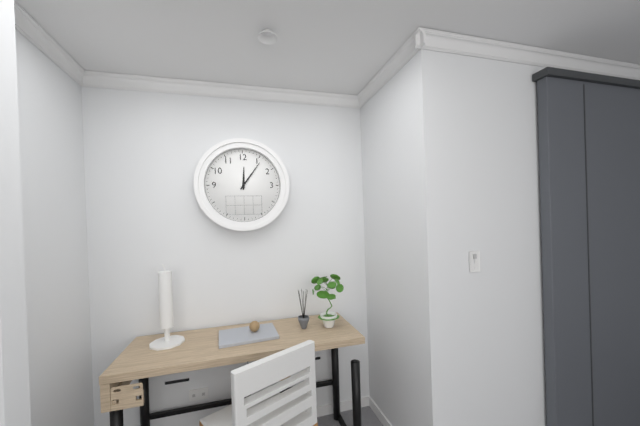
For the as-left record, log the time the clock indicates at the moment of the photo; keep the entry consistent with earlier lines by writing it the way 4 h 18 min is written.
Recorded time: 12 h 06 min
